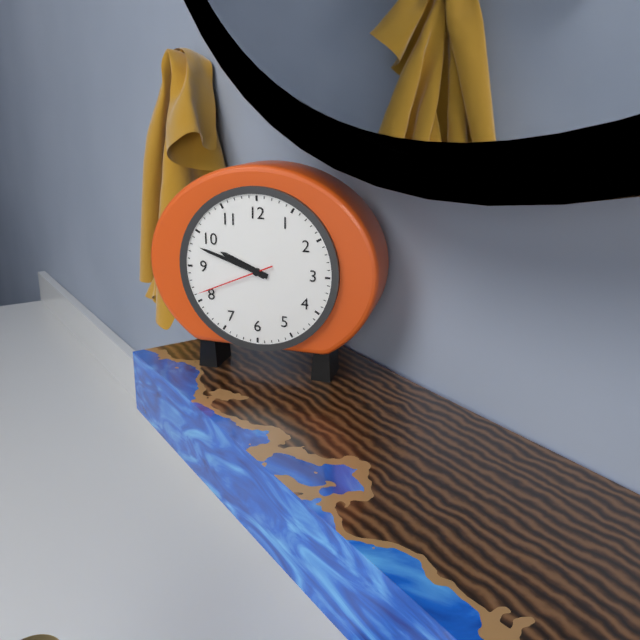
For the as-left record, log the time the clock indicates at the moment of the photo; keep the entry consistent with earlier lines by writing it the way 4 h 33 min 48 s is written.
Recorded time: 9 h 48 min 41 s
